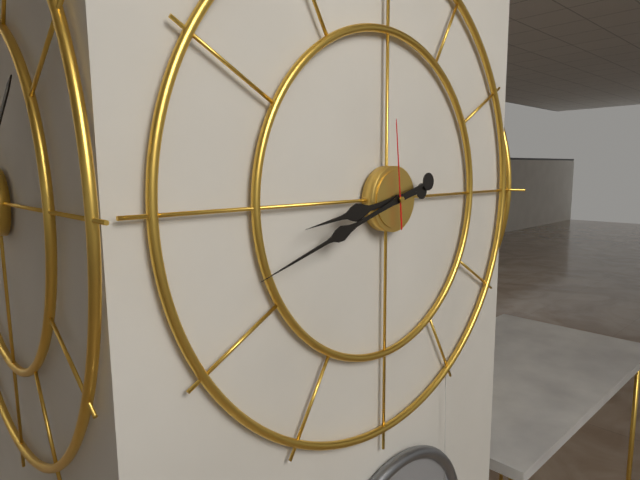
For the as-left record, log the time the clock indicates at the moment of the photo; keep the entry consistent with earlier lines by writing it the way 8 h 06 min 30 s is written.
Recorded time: 8 h 42 min 59 s
